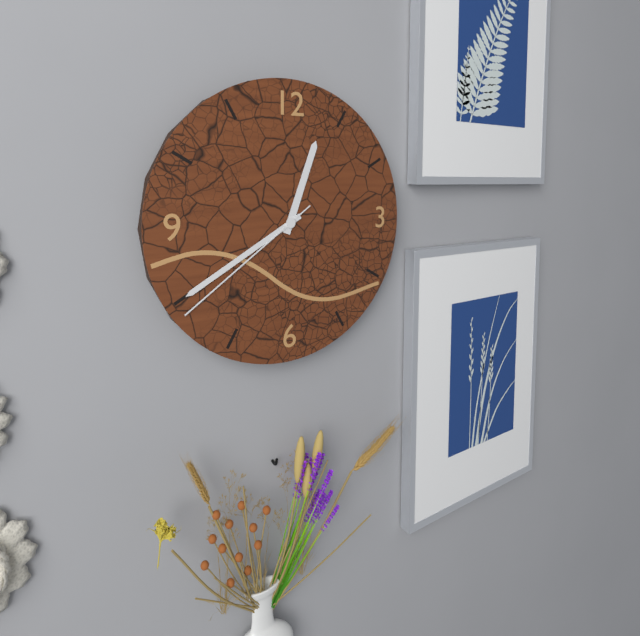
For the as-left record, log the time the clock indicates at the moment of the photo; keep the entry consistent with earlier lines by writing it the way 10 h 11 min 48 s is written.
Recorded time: 12 h 40 min 39 s
